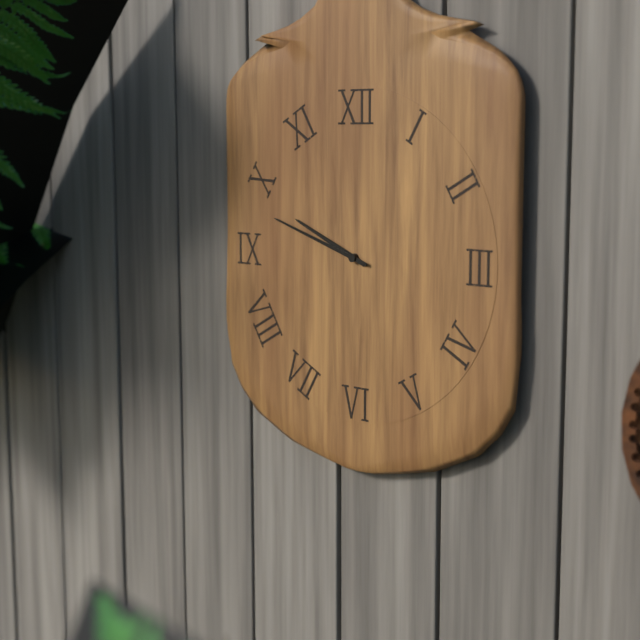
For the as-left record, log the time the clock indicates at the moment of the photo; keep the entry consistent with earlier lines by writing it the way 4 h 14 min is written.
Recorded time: 9 h 48 min
